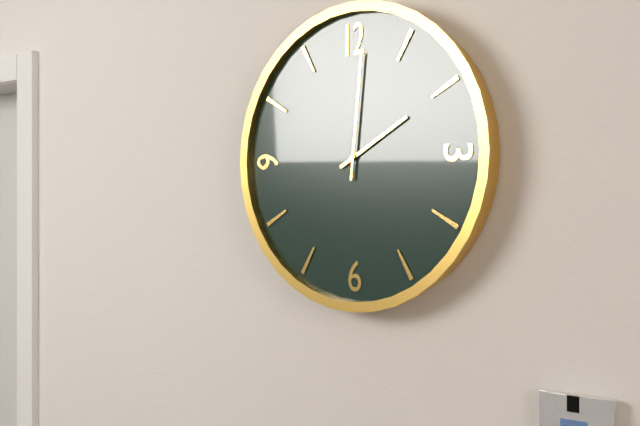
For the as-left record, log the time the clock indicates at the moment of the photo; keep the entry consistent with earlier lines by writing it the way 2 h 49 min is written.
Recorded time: 2 h 01 min
